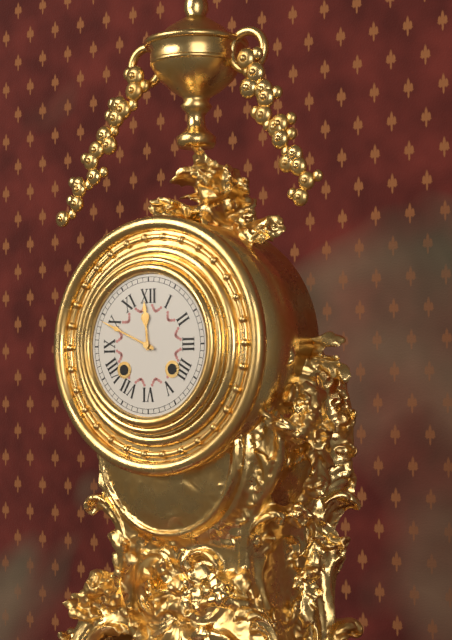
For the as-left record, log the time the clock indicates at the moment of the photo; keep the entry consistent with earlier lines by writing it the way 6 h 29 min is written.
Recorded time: 11 h 49 min
